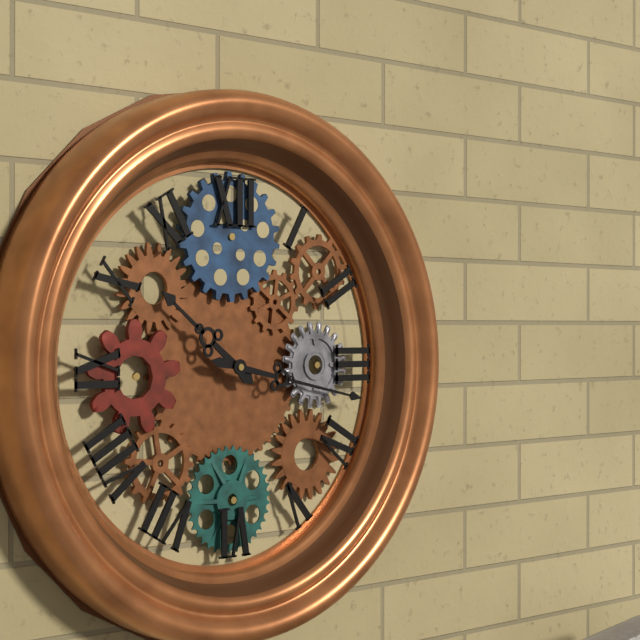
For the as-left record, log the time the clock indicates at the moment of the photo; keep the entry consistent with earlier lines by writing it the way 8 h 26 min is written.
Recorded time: 10 h 17 min
